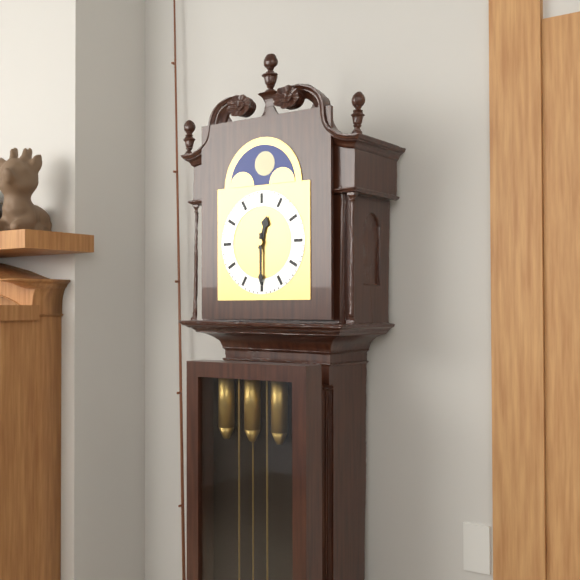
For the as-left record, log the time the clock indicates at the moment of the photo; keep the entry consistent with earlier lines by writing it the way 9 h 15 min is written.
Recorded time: 12 h 30 min
